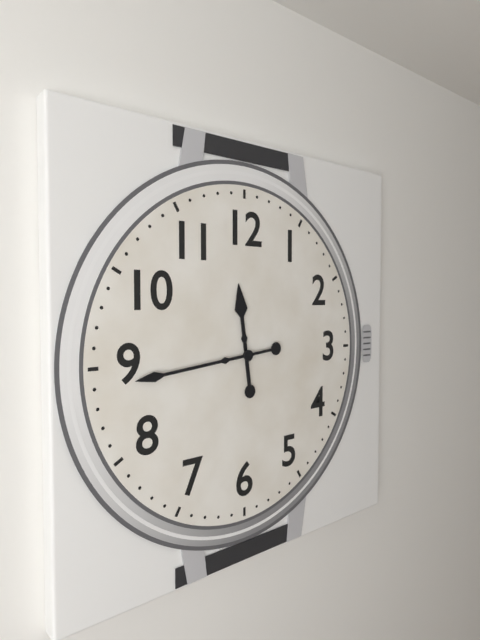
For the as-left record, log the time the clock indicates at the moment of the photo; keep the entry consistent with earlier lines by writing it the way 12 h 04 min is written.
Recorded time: 11 h 44 min
